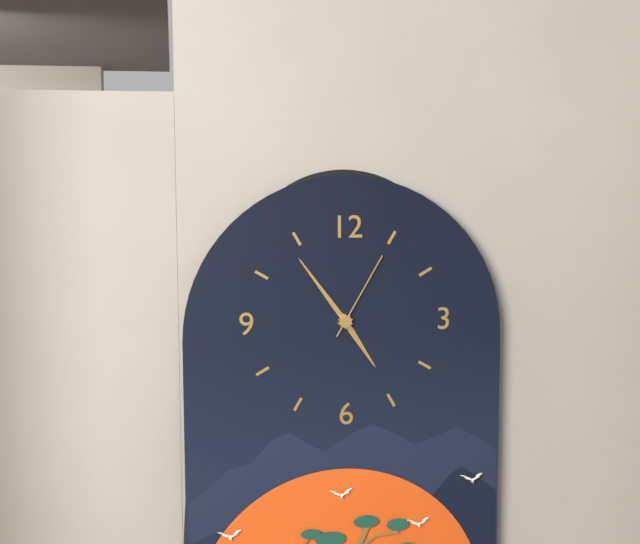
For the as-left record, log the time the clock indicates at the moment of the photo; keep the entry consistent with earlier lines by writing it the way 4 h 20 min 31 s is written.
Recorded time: 4 h 54 min 05 s
